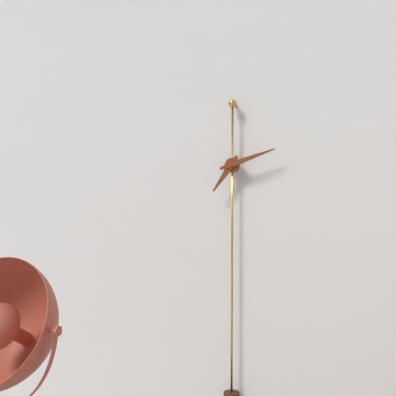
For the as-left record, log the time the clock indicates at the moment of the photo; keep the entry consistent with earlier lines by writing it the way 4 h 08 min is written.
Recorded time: 7 h 12 min
